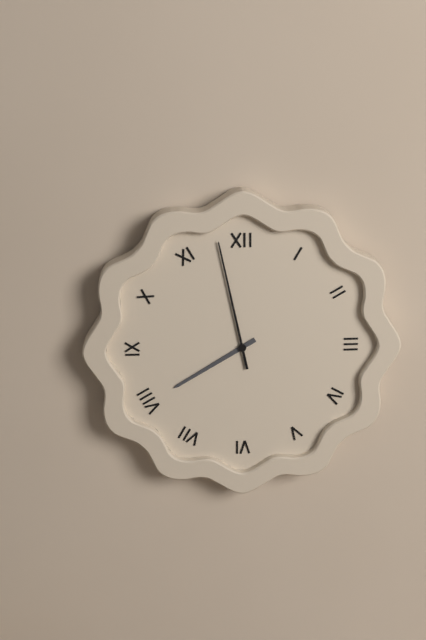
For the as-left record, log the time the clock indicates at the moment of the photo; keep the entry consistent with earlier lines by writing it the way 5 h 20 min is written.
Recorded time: 7 h 58 min
